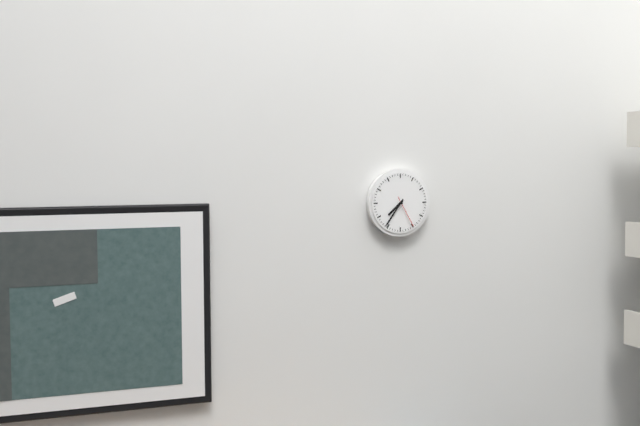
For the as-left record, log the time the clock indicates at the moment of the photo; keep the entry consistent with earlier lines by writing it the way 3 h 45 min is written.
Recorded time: 7 h 36 min
